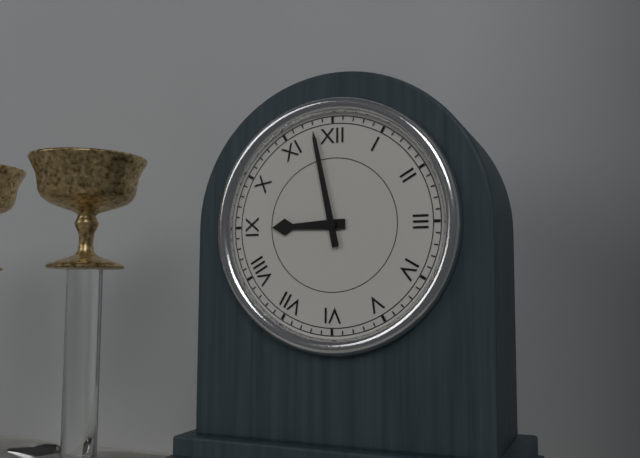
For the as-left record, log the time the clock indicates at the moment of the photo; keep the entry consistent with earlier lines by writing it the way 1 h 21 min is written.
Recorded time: 8 h 58 min
